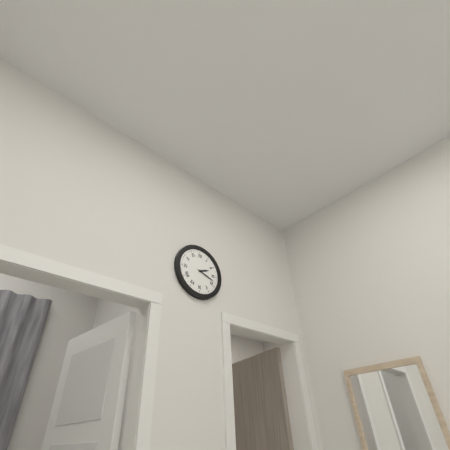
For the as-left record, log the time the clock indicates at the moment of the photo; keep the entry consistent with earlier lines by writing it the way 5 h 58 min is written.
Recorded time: 2 h 18 min
